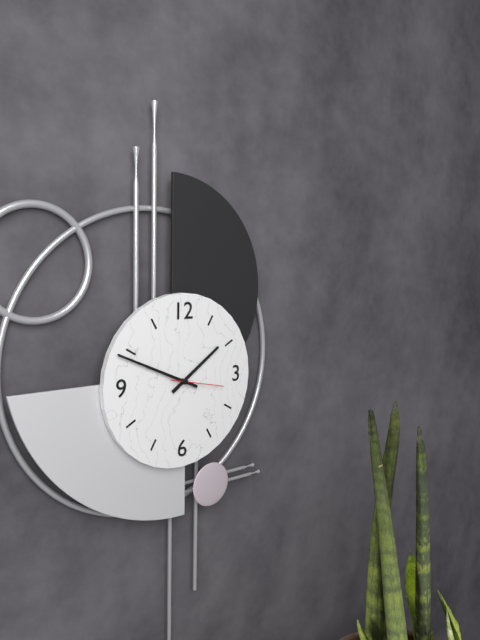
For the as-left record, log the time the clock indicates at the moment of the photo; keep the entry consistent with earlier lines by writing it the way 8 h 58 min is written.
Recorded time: 1 h 49 min
